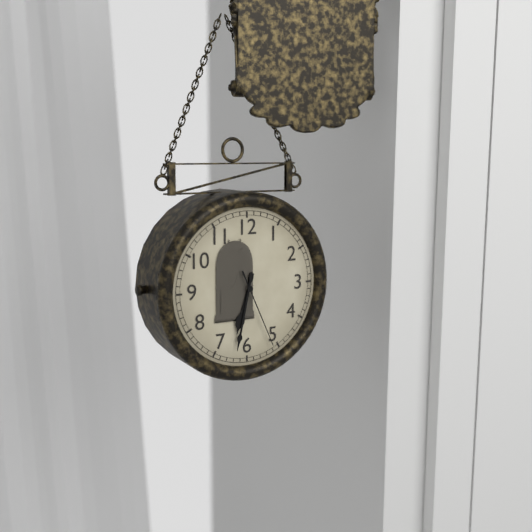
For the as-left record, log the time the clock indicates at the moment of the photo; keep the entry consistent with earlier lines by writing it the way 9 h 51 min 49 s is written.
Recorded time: 6 h 32 min 26 s
